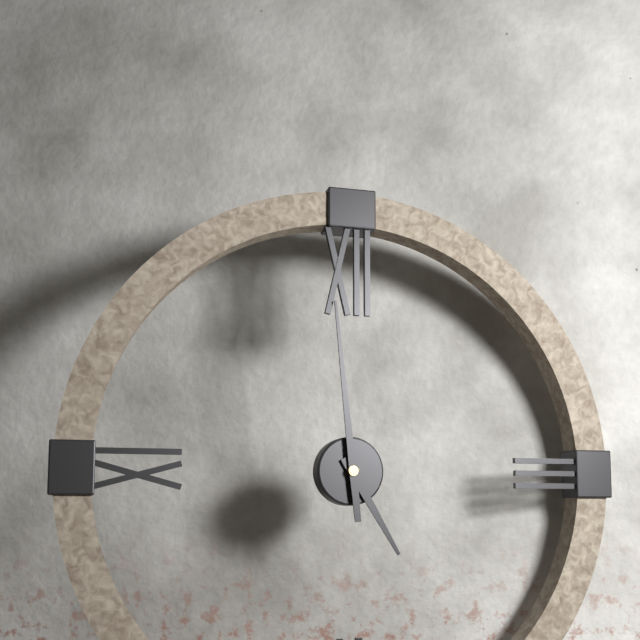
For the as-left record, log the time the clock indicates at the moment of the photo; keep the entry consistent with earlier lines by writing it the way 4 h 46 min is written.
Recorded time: 4 h 59 min
